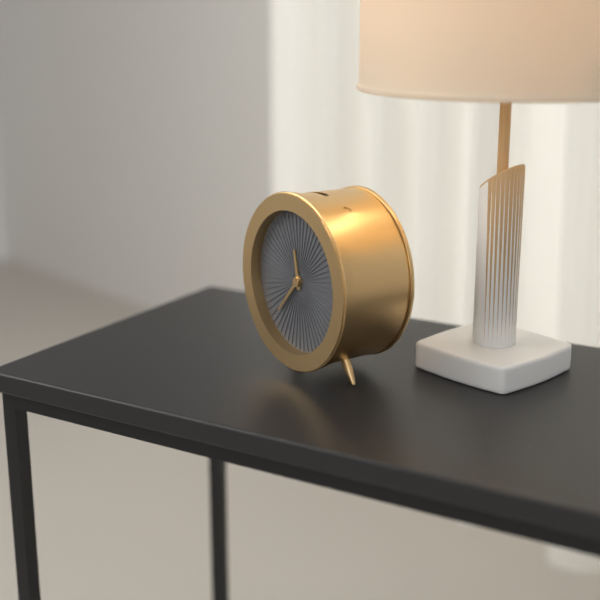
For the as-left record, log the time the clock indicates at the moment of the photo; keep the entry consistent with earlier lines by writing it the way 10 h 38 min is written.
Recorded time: 11 h 37 min
